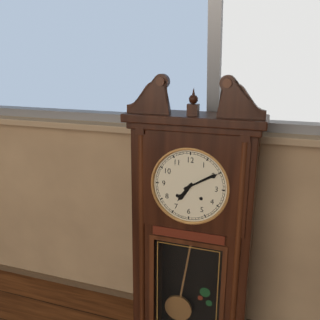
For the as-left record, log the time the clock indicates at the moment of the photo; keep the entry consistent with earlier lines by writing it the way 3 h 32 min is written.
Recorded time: 7 h 10 min
